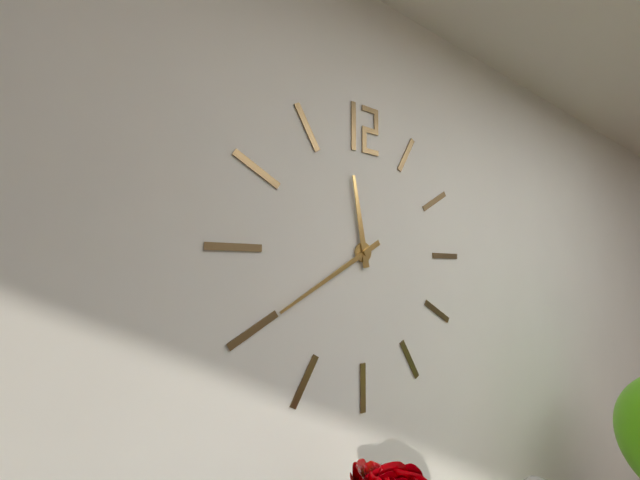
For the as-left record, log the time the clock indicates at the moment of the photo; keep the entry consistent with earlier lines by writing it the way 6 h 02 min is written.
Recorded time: 11 h 40 min
